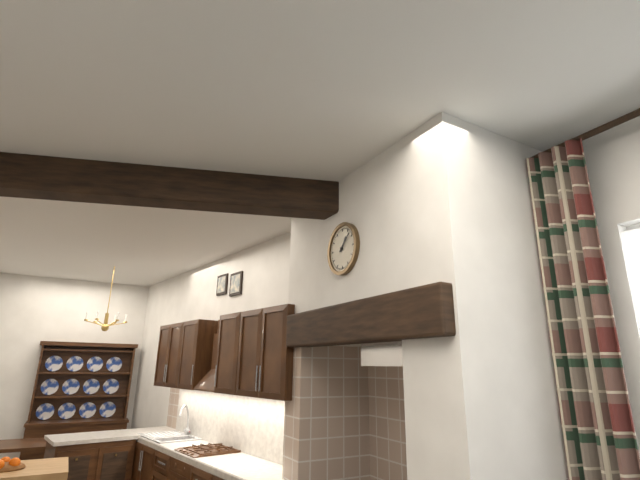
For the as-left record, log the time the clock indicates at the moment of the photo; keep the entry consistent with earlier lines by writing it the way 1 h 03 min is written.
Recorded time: 1 h 08 min
